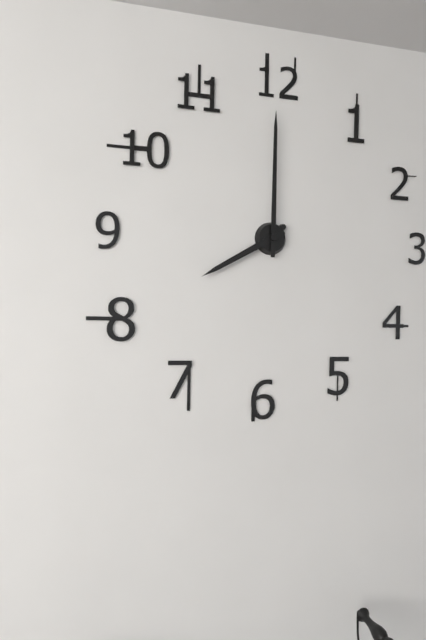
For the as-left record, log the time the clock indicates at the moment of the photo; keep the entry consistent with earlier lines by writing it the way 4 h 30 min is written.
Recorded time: 8 h 00 min
